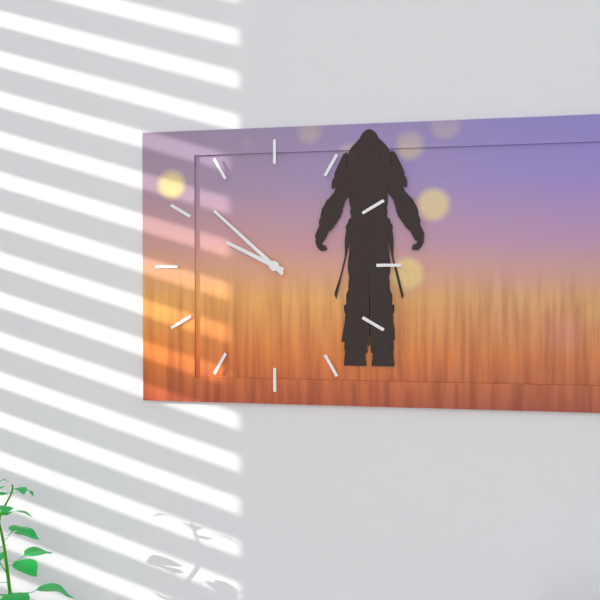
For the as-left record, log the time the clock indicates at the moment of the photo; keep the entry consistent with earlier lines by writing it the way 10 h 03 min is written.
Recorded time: 9 h 52 min
